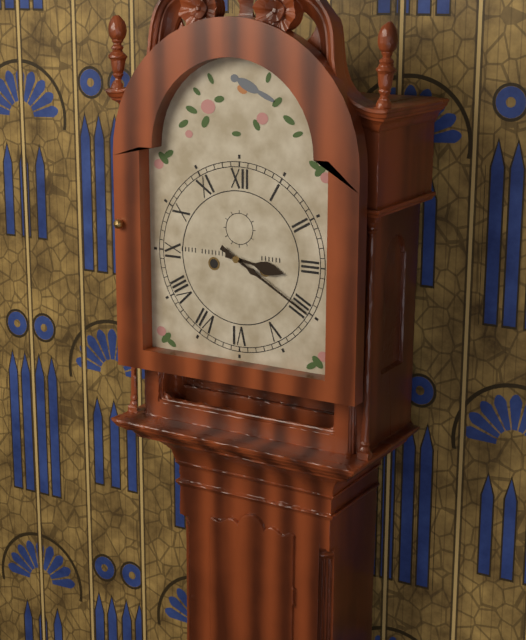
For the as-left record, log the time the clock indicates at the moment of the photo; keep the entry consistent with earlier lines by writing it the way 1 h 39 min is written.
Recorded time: 3 h 20 min
